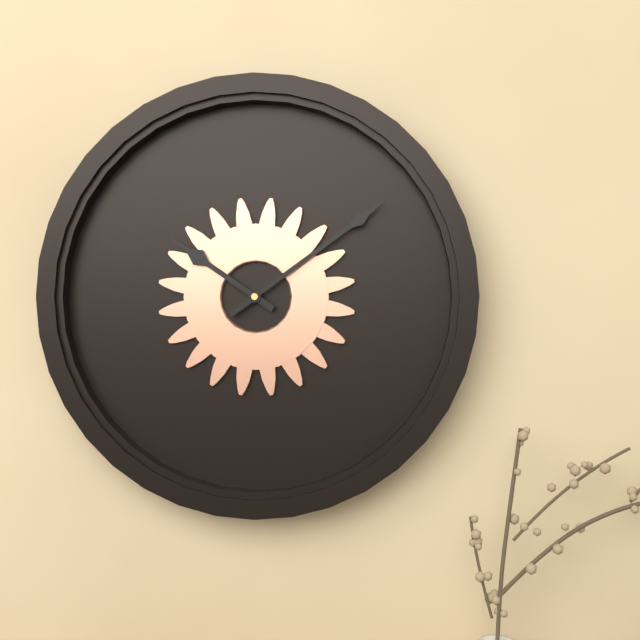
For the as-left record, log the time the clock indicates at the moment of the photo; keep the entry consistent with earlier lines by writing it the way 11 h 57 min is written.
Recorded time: 10 h 09 min
